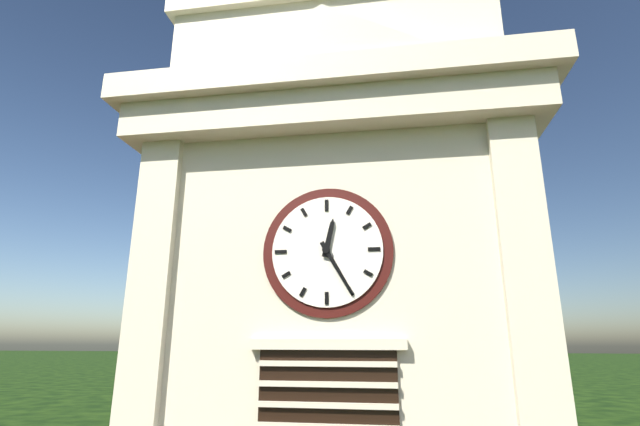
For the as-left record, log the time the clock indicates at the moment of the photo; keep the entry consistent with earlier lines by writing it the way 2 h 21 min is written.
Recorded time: 12 h 25 min
